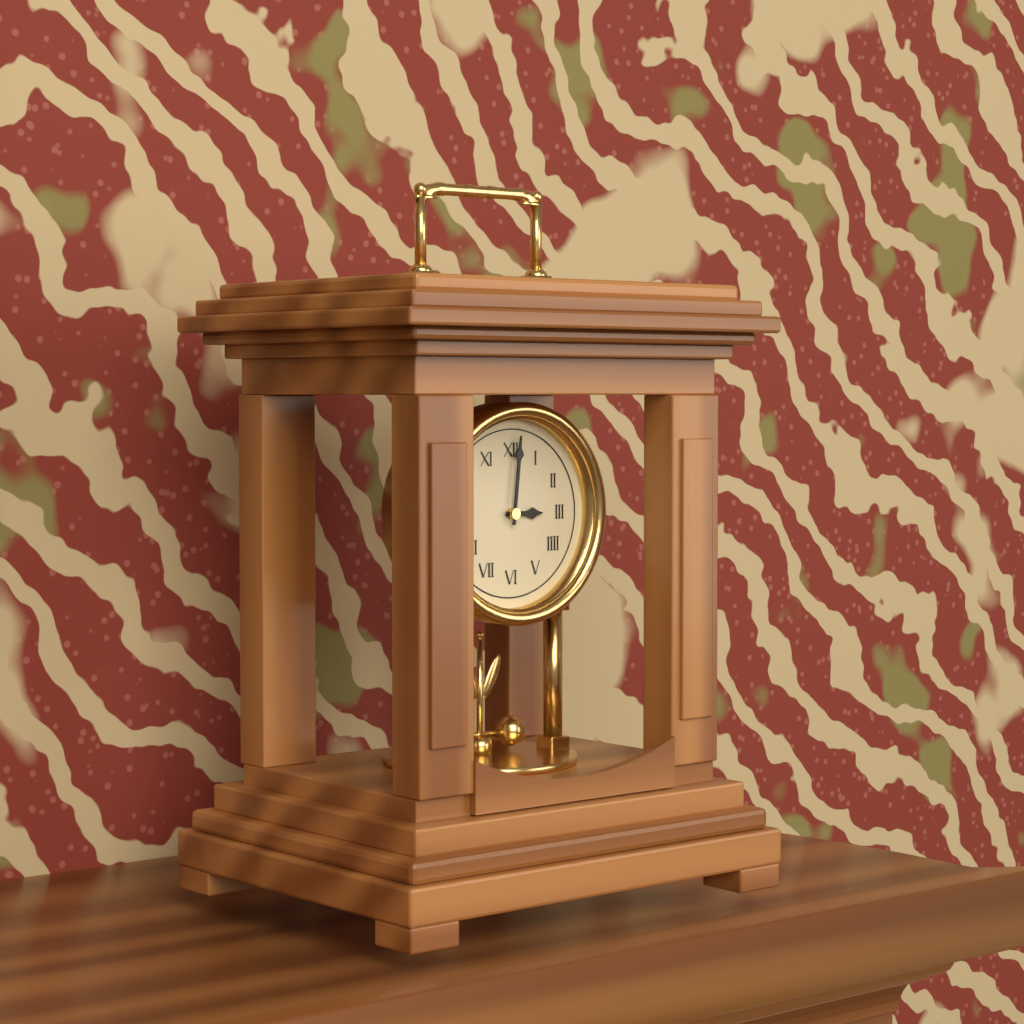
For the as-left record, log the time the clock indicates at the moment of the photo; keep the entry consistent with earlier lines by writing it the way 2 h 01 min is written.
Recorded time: 3 h 01 min
